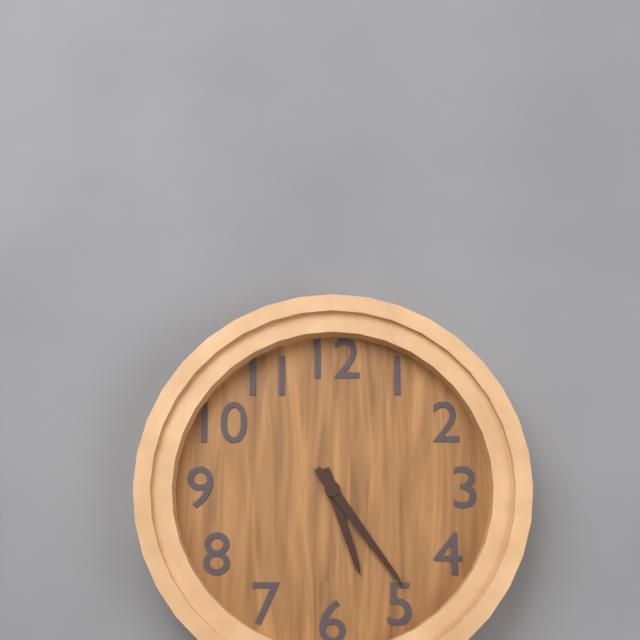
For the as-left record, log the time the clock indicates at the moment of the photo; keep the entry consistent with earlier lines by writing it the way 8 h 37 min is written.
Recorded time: 5 h 24 min
